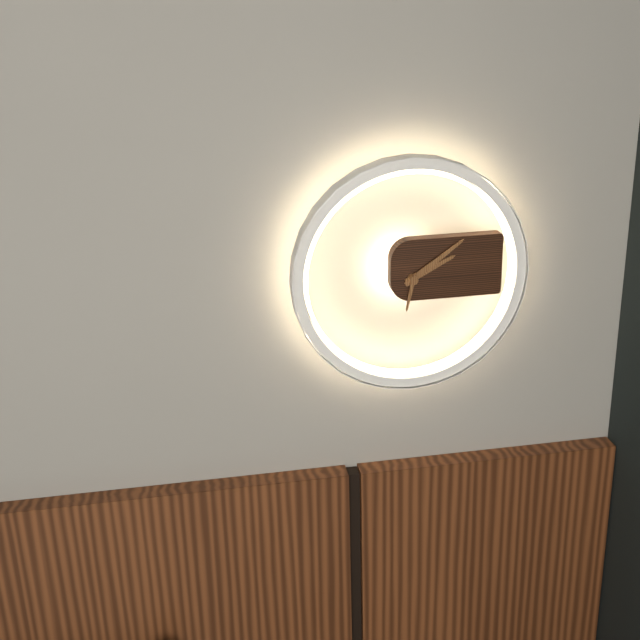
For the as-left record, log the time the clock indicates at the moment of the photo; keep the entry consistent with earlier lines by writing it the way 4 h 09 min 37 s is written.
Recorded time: 2 h 09 min 32 s
